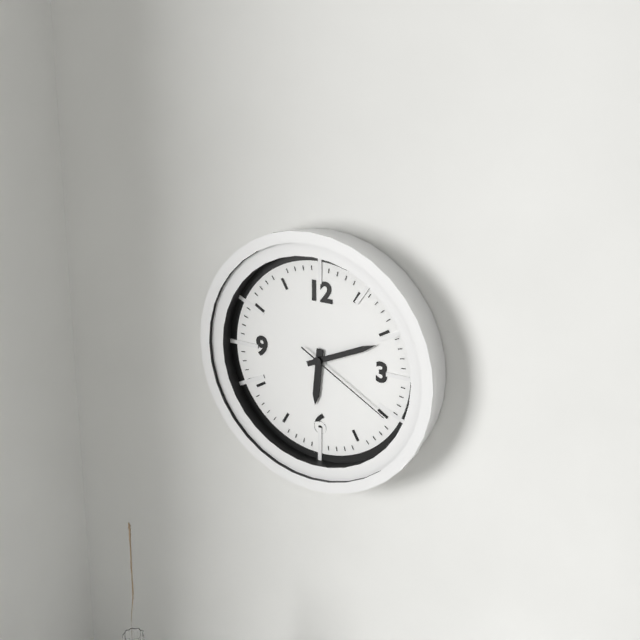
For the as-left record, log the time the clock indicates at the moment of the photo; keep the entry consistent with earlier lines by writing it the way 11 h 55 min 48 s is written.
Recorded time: 6 h 11 min 20 s
